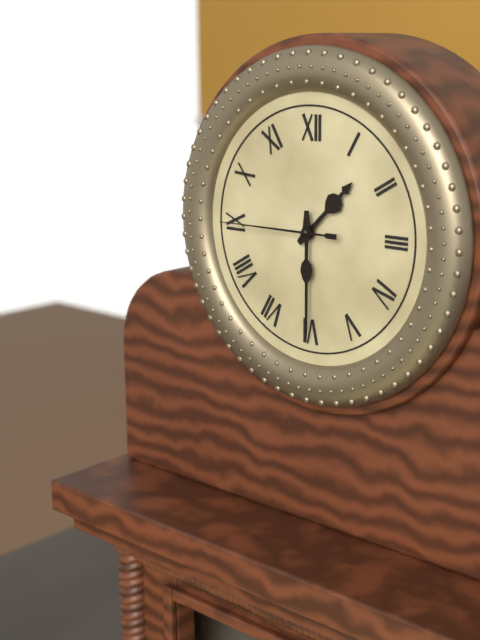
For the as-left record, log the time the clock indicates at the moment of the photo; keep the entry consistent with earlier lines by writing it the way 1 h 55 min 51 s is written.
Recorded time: 1 h 30 min 45 s
